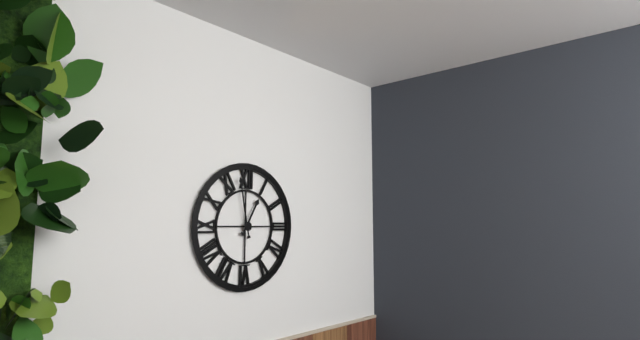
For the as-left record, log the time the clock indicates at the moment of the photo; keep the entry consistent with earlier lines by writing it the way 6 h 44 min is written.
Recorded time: 12 h 58 min
